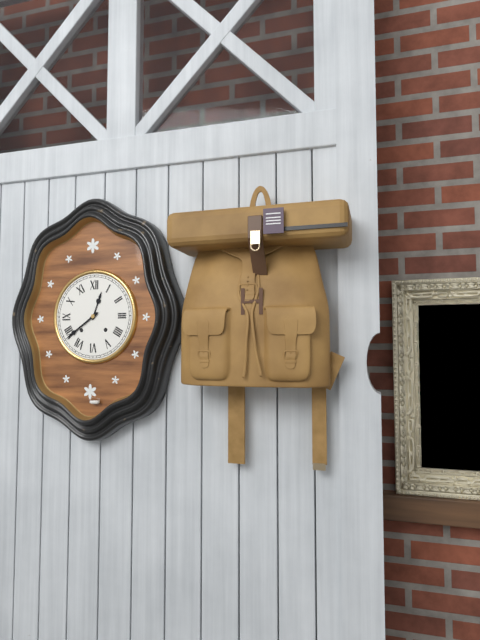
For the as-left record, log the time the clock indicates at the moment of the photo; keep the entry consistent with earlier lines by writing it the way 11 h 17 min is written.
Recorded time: 12 h 39 min
